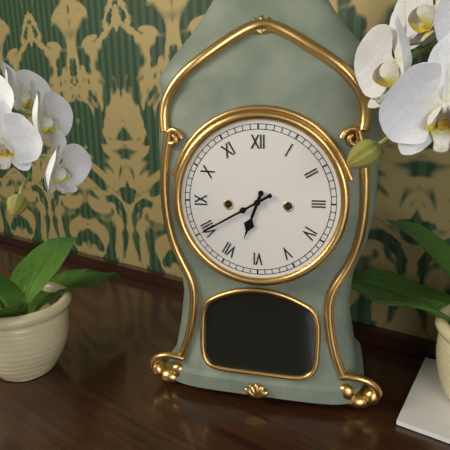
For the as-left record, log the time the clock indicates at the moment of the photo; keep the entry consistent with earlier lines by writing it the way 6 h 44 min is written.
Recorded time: 6 h 40 min
